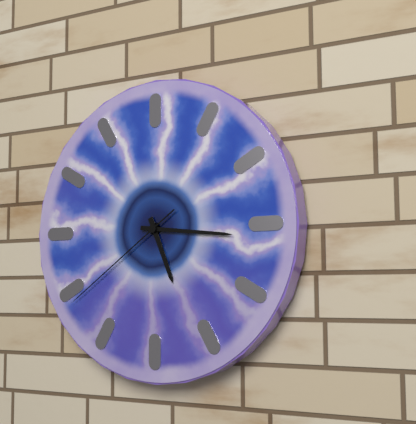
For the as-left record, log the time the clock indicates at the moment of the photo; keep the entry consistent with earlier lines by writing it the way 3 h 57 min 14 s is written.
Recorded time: 5 h 16 min 39 s
